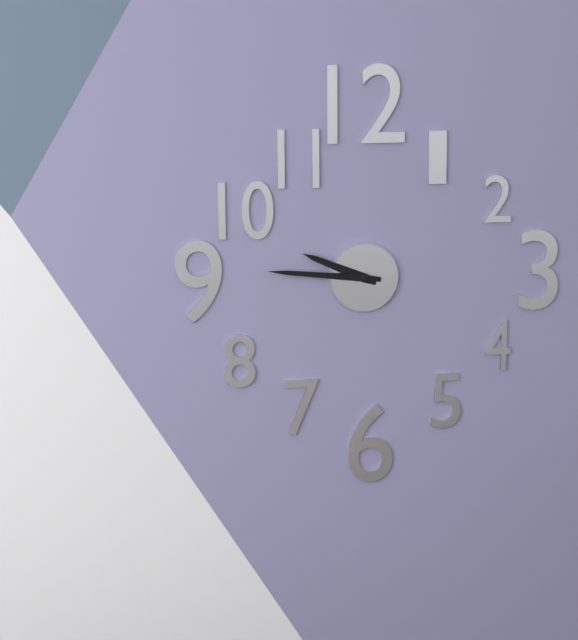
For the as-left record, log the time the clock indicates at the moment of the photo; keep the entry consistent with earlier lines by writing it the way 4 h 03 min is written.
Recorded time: 9 h 46 min
